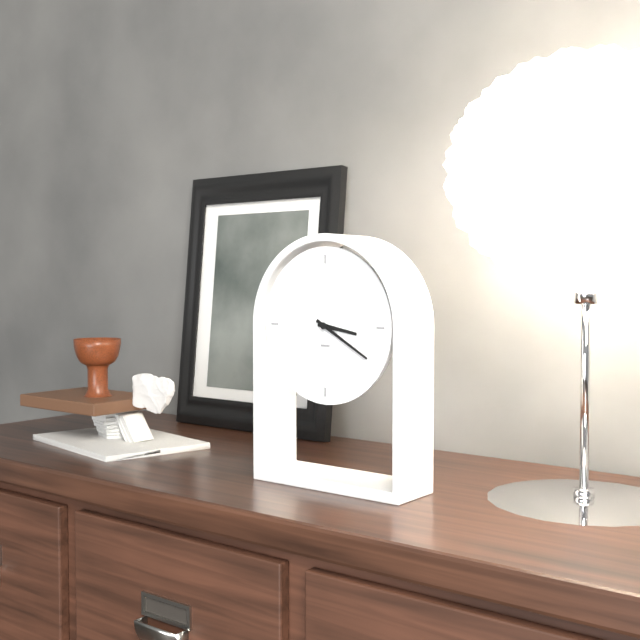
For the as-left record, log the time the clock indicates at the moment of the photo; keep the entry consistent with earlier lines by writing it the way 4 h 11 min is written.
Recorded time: 3 h 20 min
